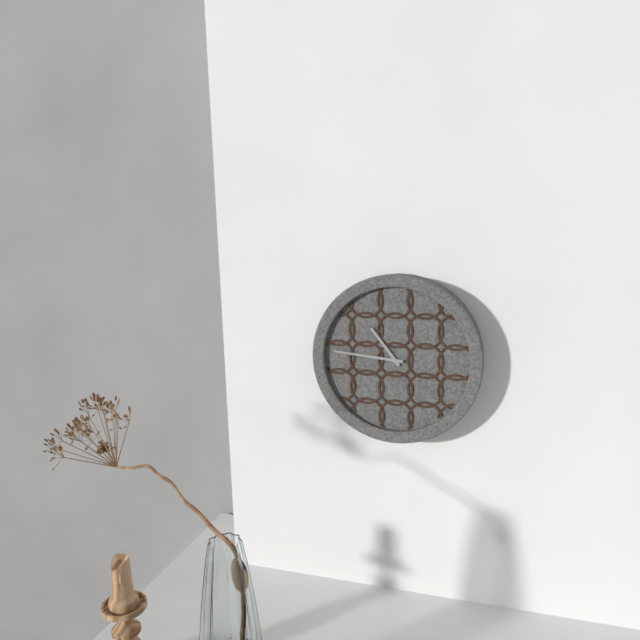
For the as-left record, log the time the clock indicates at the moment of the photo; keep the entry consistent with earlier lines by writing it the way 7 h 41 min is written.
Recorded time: 10 h 46 min
